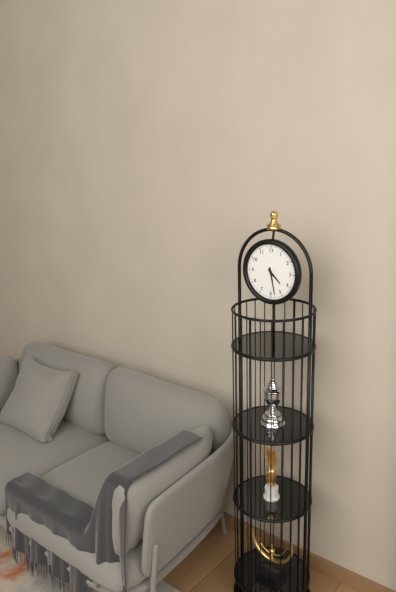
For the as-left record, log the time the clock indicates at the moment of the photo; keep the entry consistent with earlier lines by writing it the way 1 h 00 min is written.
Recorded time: 4 h 28 min
